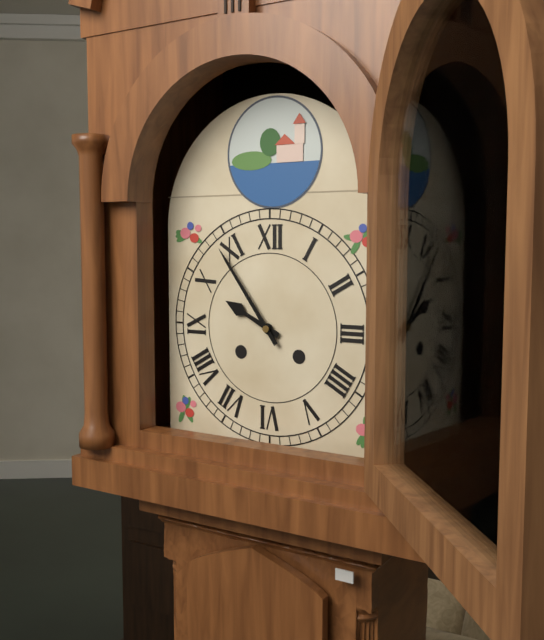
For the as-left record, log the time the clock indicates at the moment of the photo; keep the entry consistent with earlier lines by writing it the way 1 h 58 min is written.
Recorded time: 9 h 54 min
